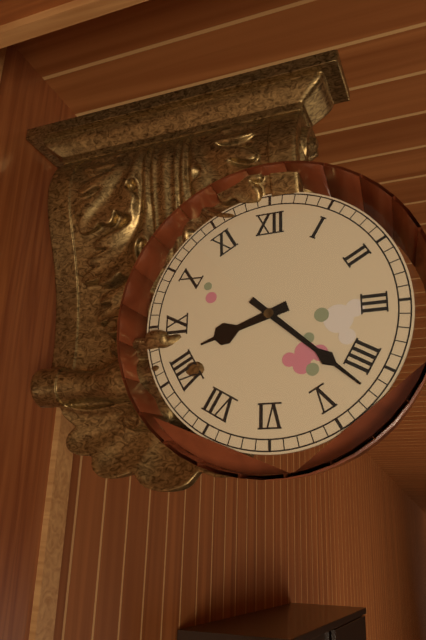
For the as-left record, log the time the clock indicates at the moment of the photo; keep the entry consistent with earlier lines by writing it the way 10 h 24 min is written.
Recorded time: 8 h 22 min
